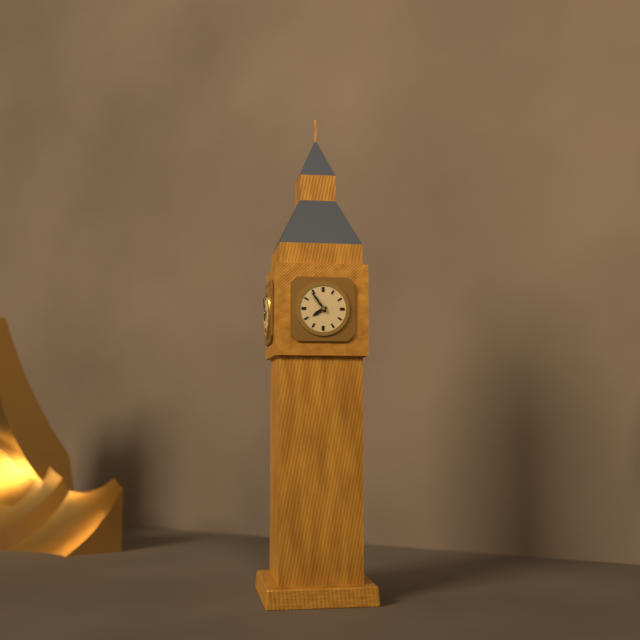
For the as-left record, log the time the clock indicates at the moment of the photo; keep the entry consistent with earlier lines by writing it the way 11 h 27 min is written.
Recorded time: 7 h 54 min
